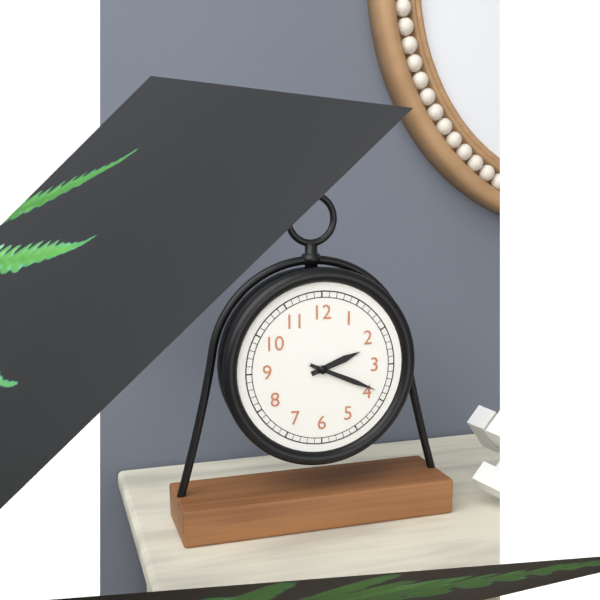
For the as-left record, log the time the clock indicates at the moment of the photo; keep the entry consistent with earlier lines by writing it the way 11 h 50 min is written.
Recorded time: 2 h 19 min
